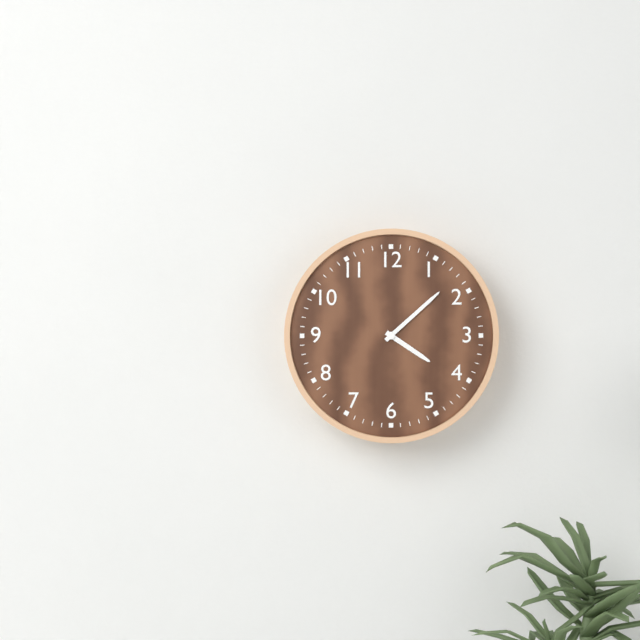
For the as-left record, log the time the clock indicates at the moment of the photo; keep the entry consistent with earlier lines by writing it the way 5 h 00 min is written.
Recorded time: 4 h 08 min
